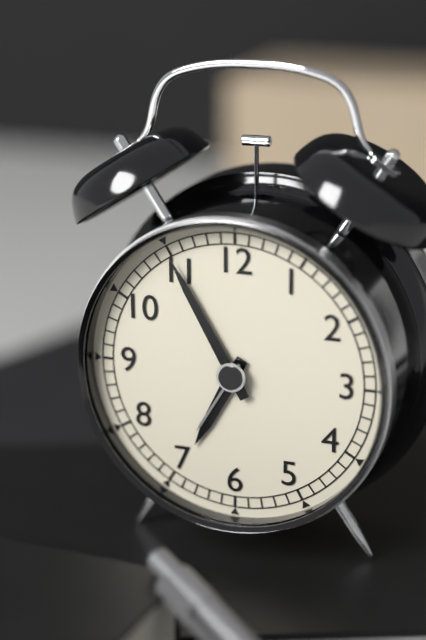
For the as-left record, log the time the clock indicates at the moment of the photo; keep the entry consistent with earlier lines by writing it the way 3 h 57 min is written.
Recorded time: 6 h 55 min
